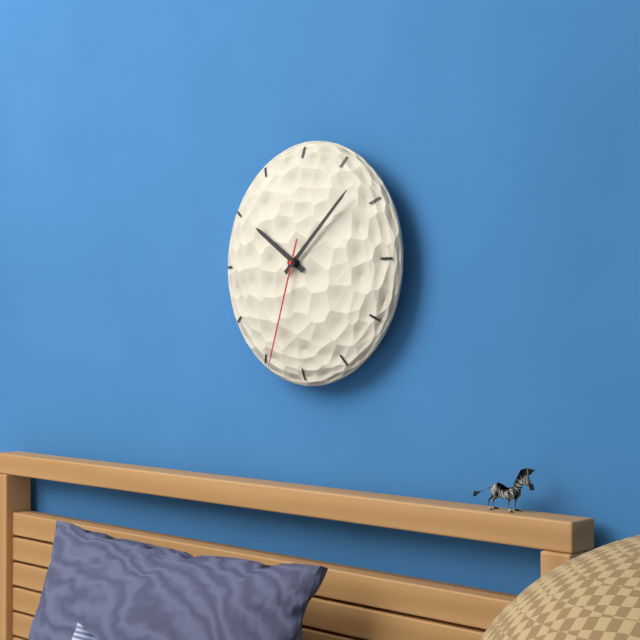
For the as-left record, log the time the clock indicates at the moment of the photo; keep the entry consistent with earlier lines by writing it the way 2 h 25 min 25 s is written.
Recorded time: 10 h 08 min 33 s
